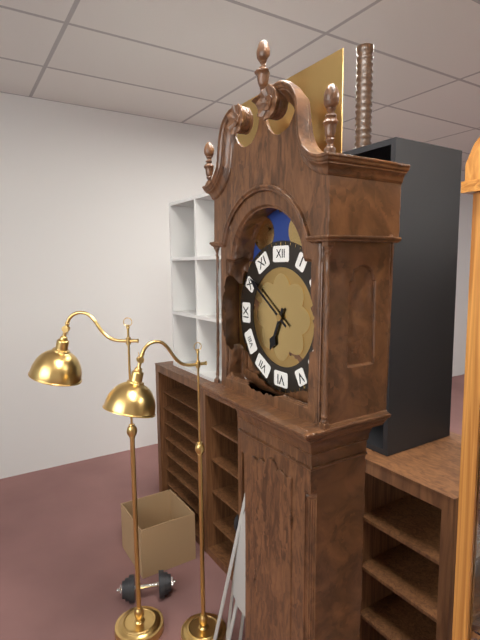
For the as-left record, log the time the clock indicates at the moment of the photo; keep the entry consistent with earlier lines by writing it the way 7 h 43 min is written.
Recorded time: 6 h 51 min
